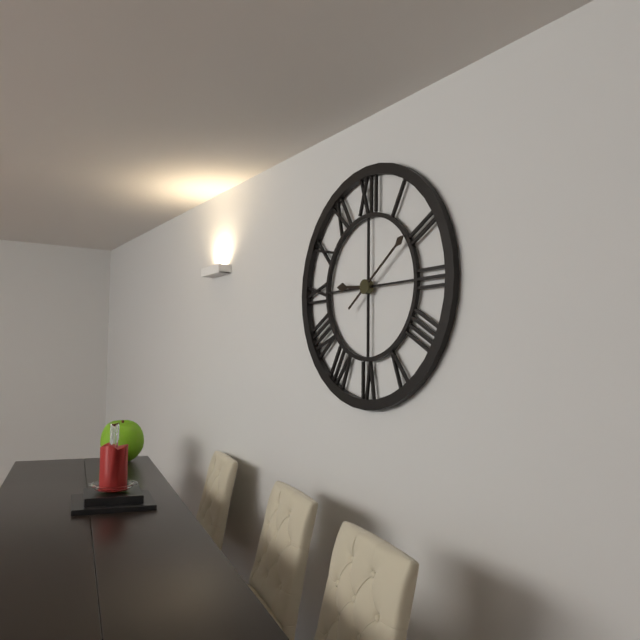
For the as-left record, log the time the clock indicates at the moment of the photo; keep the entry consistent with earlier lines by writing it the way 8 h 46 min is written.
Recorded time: 9 h 09 min
